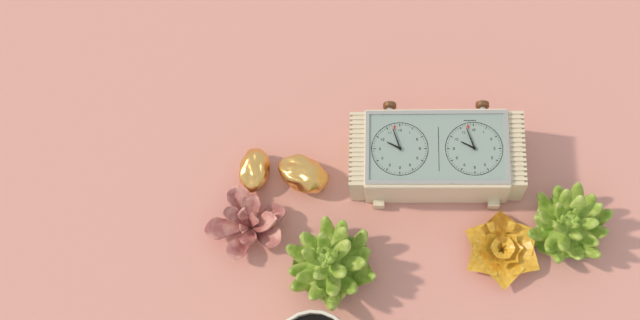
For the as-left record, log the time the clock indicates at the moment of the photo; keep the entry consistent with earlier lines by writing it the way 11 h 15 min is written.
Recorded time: 9 h 57 min
